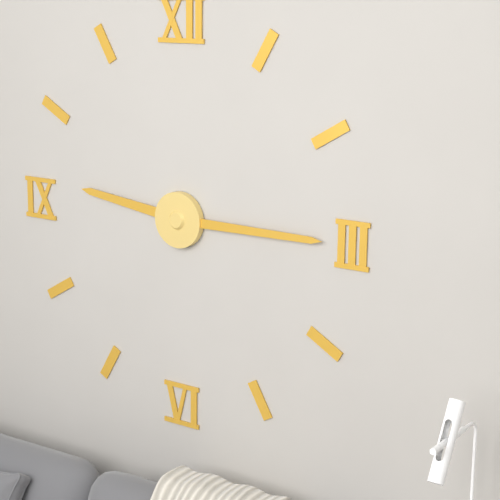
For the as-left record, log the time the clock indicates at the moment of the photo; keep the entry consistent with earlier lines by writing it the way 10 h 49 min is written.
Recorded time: 9 h 15 min
